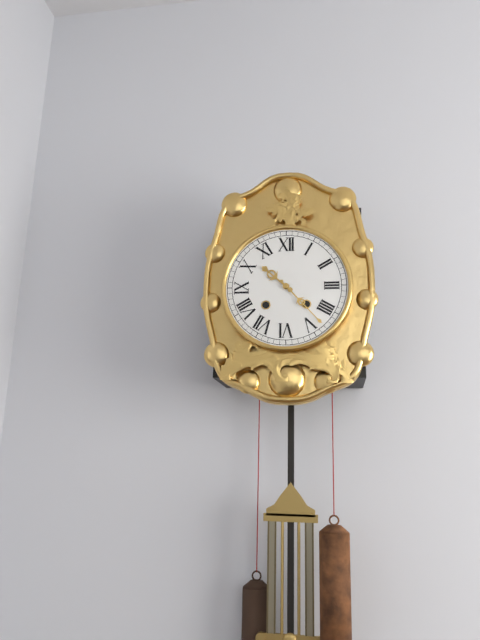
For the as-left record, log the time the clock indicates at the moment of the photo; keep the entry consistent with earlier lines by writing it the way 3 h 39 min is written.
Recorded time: 10 h 23 min
